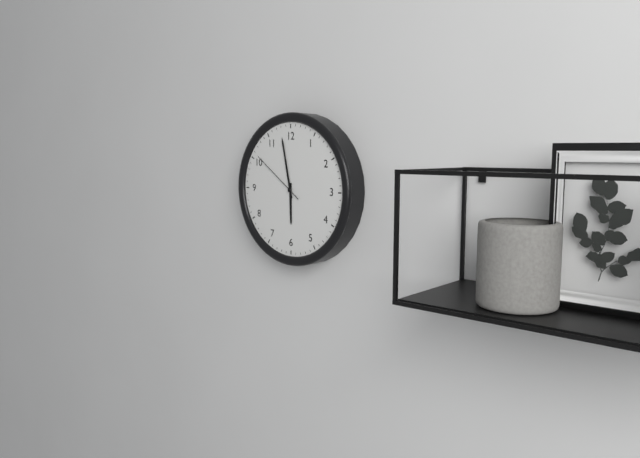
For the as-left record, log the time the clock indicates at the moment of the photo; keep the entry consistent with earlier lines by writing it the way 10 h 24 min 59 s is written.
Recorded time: 5 h 58 min 51 s
